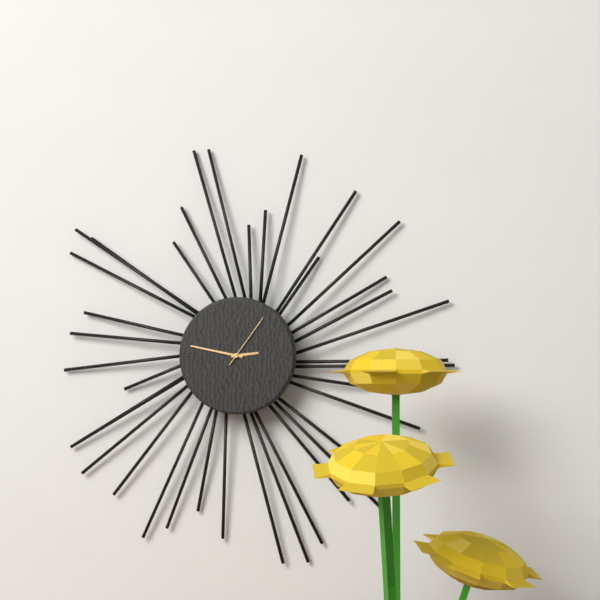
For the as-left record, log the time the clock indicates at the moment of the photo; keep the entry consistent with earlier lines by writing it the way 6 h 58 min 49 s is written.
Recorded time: 2 h 47 min 06 s
